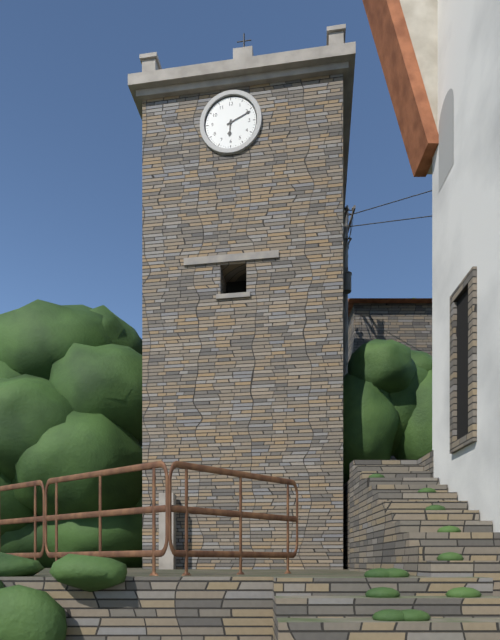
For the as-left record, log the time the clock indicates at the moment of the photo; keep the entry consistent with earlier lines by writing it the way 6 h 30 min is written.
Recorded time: 6 h 11 min
